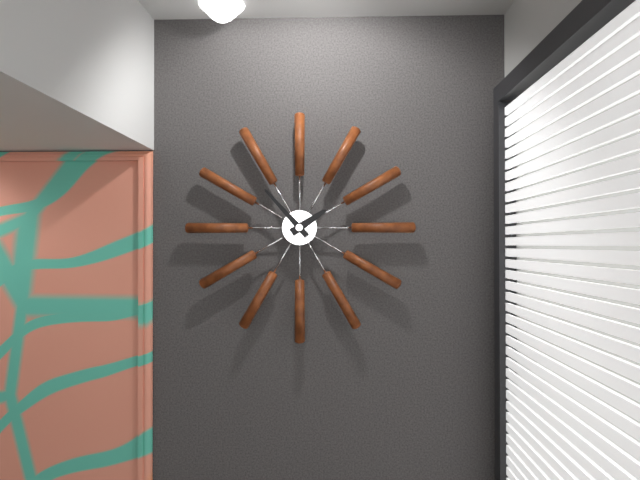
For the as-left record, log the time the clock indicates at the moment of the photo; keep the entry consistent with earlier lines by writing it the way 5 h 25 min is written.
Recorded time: 1 h 53 min
